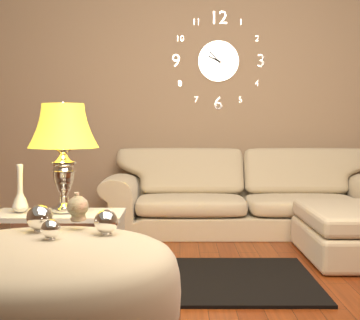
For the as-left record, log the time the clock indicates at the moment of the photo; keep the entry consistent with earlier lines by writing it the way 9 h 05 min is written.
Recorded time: 9 h 53 min
